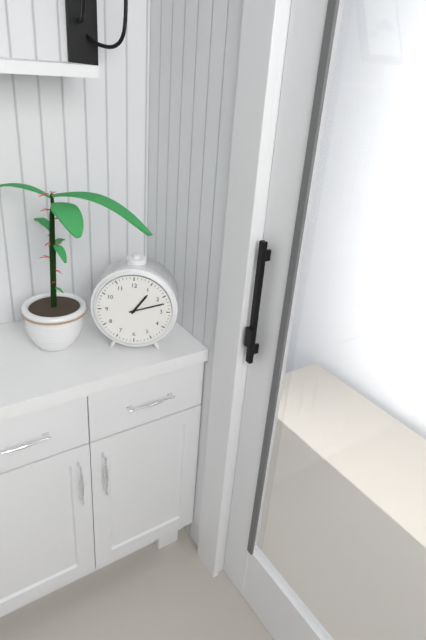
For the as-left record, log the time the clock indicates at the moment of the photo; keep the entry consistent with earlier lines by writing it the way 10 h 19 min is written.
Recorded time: 1 h 12 min
